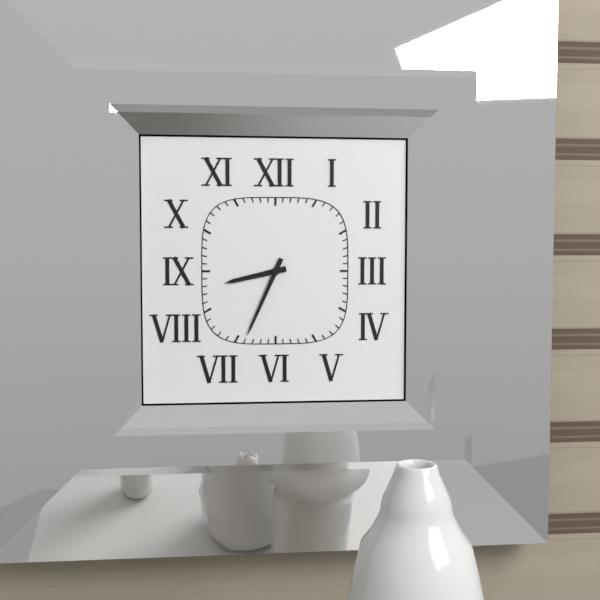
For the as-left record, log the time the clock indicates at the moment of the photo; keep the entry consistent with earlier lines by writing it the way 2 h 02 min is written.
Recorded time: 8 h 34 min
